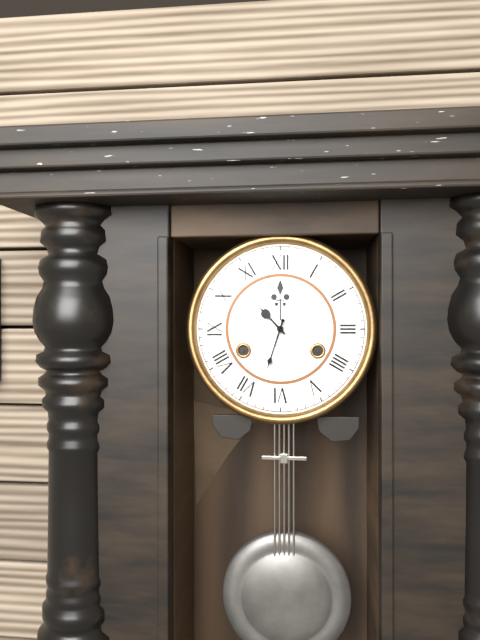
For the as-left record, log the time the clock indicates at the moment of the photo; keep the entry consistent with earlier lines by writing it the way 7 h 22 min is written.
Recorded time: 10 h 33 min
